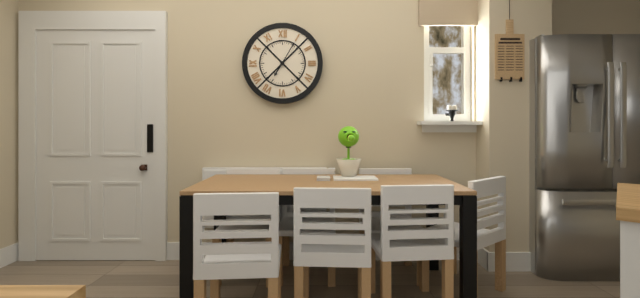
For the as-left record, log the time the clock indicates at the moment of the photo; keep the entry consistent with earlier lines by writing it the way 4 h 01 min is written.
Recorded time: 7 h 05 min
